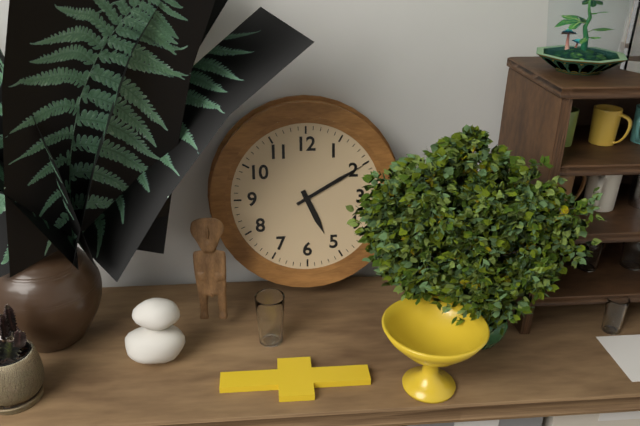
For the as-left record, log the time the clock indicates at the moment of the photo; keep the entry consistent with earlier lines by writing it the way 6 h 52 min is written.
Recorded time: 5 h 10 min
